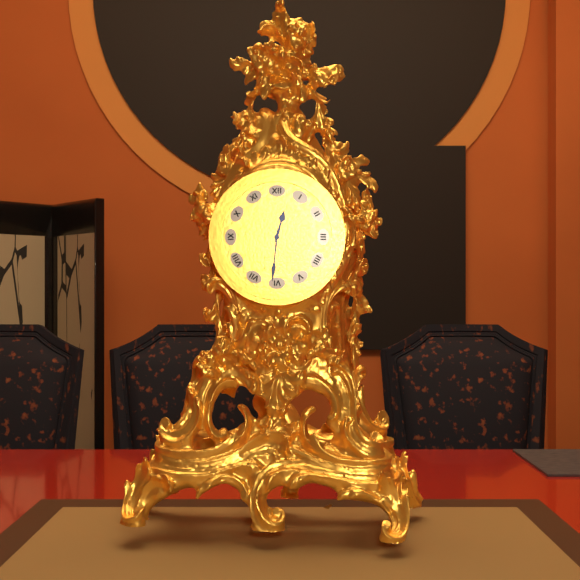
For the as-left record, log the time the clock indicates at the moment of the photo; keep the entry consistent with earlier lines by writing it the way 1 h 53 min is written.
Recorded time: 12 h 31 min
